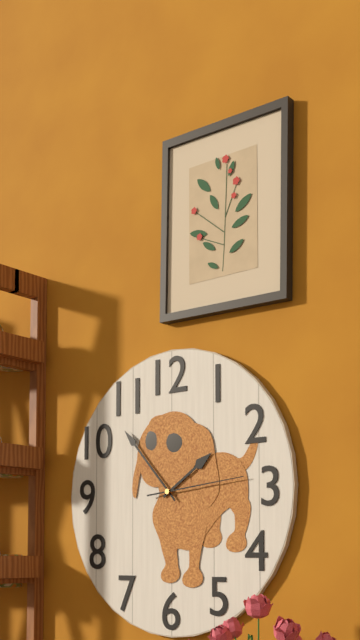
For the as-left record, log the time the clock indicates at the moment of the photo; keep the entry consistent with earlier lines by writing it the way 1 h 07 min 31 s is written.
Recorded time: 1 h 53 min 14 s
